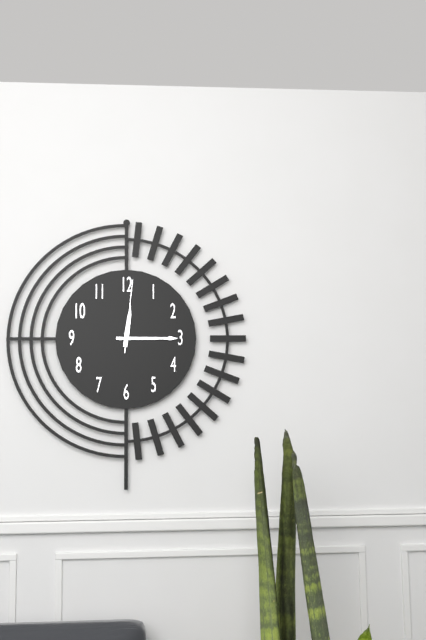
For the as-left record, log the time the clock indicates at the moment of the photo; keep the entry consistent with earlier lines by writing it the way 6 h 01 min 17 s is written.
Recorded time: 12 h 15 min 01 s
